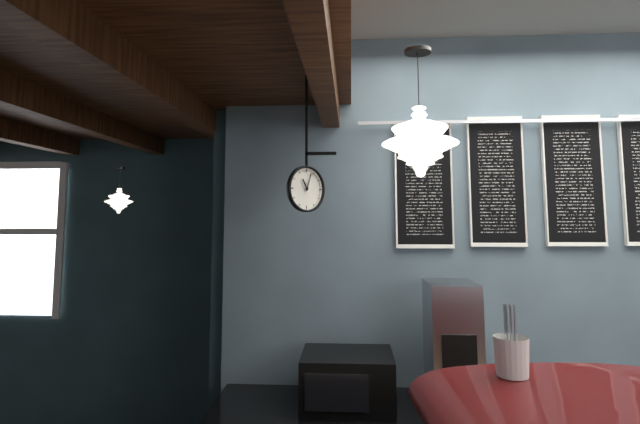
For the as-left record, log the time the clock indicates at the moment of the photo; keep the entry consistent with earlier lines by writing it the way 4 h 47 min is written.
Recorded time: 11 h 03 min
